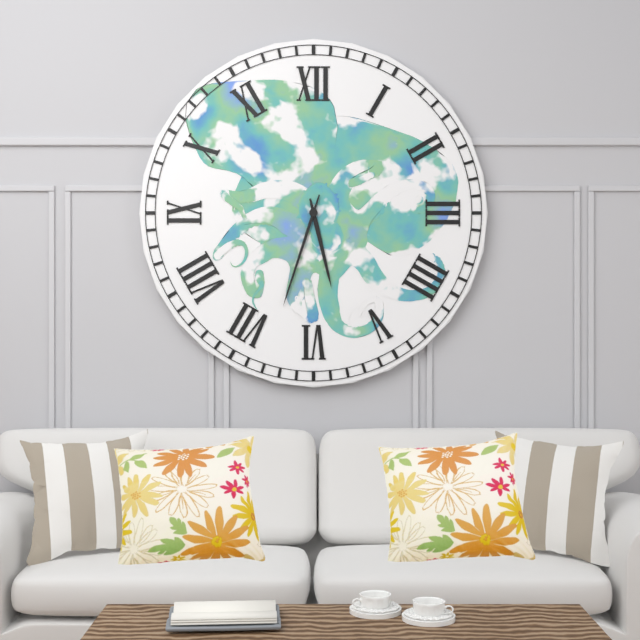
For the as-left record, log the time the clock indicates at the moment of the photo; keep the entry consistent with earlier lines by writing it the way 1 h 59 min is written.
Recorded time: 5 h 33 min
